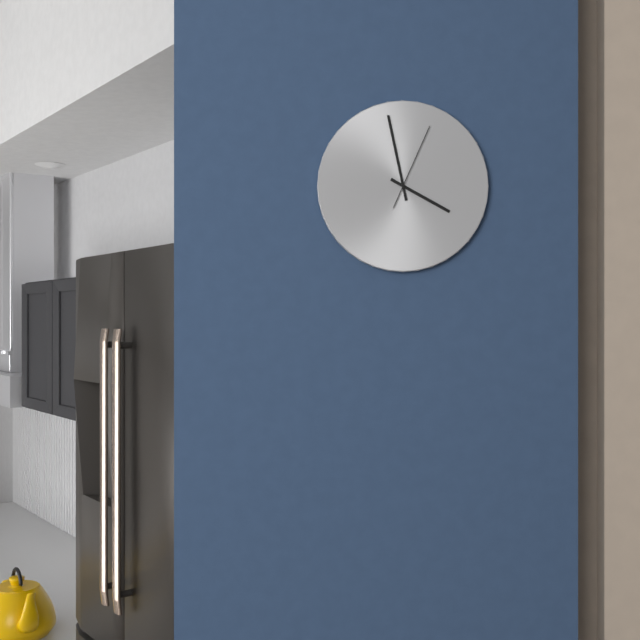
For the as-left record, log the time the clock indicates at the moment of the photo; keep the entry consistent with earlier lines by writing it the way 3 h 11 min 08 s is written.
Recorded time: 3 h 58 min 04 s
